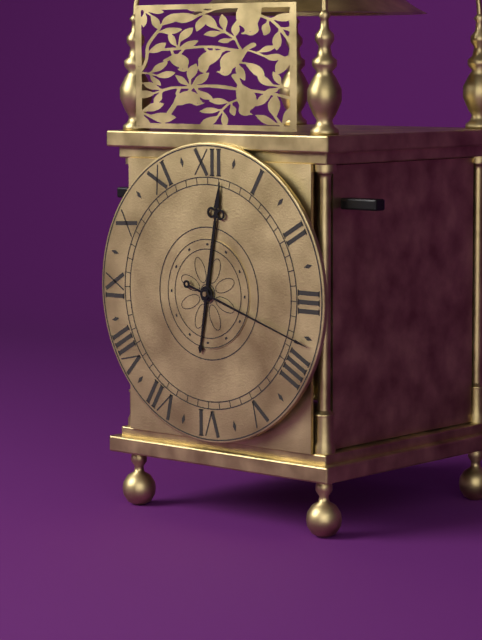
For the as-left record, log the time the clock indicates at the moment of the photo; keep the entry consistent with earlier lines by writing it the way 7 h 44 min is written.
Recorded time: 12 h 18 min
